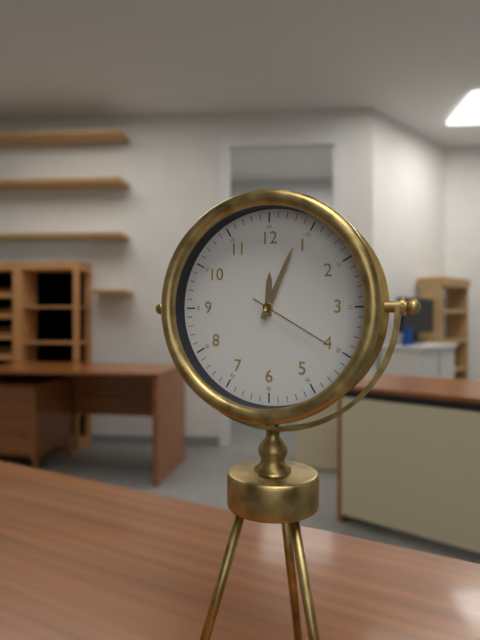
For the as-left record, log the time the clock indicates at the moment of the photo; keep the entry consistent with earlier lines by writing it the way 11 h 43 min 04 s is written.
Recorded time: 12 h 04 min 20 s
